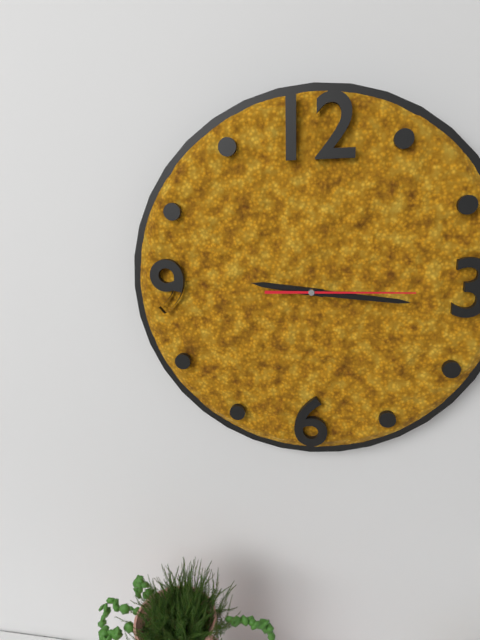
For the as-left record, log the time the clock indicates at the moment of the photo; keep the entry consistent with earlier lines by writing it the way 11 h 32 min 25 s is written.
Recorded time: 9 h 16 min 15 s
